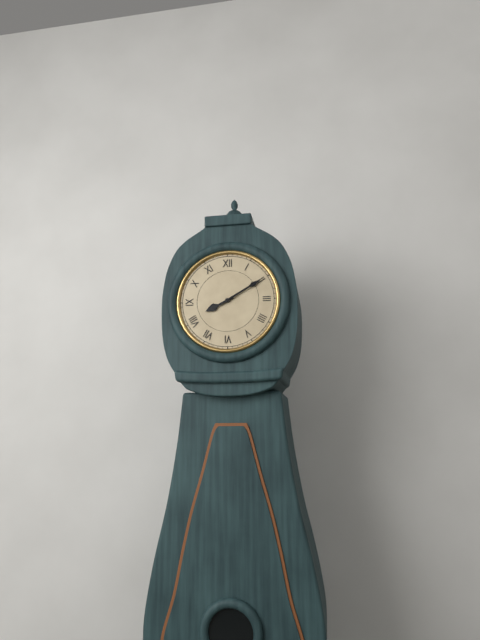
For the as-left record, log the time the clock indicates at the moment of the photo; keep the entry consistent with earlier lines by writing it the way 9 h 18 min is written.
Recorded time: 8 h 10 min
